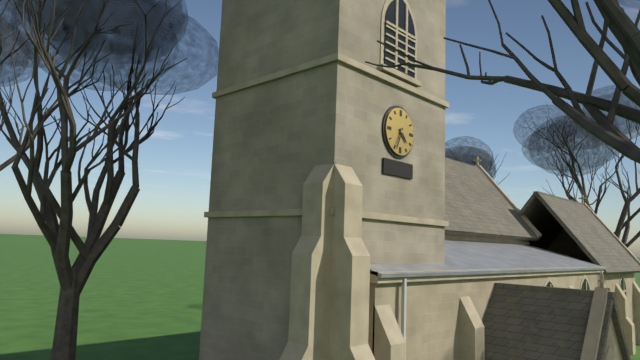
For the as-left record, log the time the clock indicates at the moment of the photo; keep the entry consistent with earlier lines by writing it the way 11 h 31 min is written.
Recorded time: 4 h 34 min
